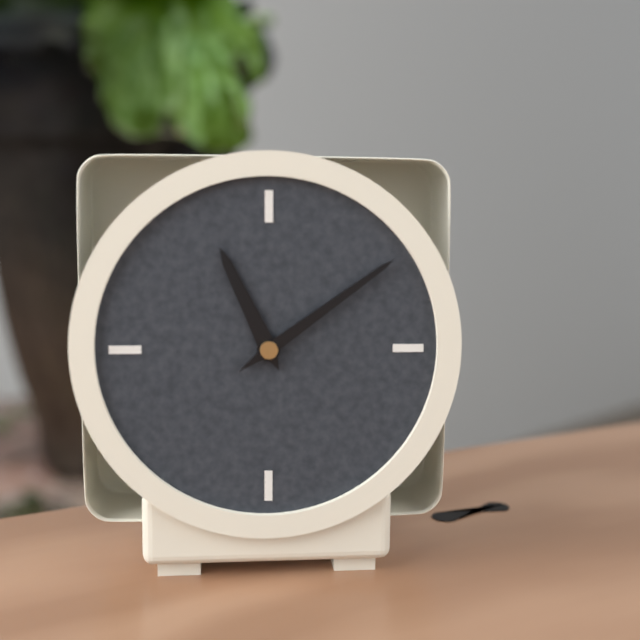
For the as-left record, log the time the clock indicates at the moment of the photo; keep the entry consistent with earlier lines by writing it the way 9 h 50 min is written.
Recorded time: 11 h 09 min
